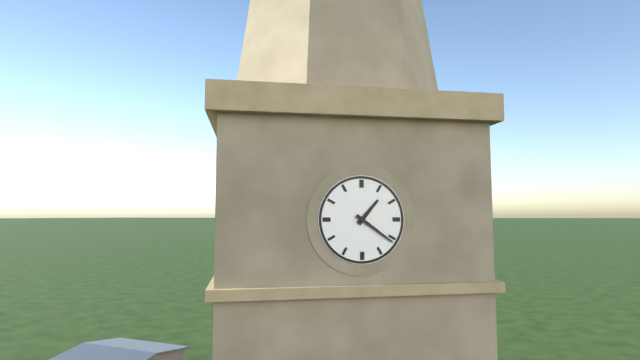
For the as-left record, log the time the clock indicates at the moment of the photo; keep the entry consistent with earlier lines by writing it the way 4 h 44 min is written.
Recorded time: 1 h 21 min
